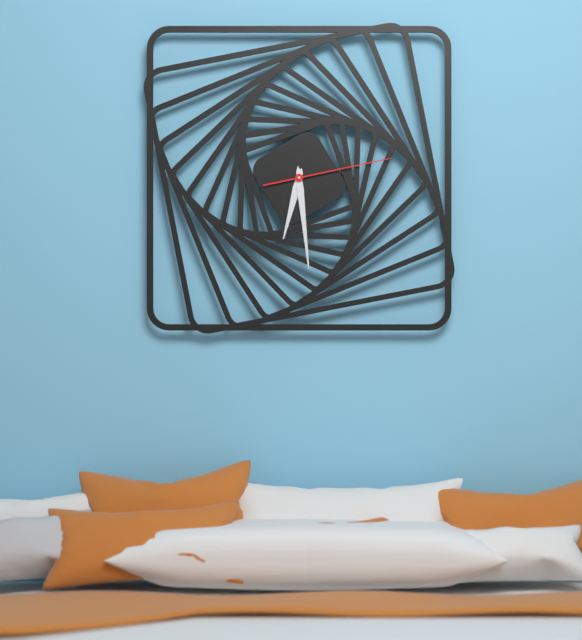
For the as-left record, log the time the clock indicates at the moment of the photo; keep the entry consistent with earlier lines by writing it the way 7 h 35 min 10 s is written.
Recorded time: 6 h 29 min 13 s
